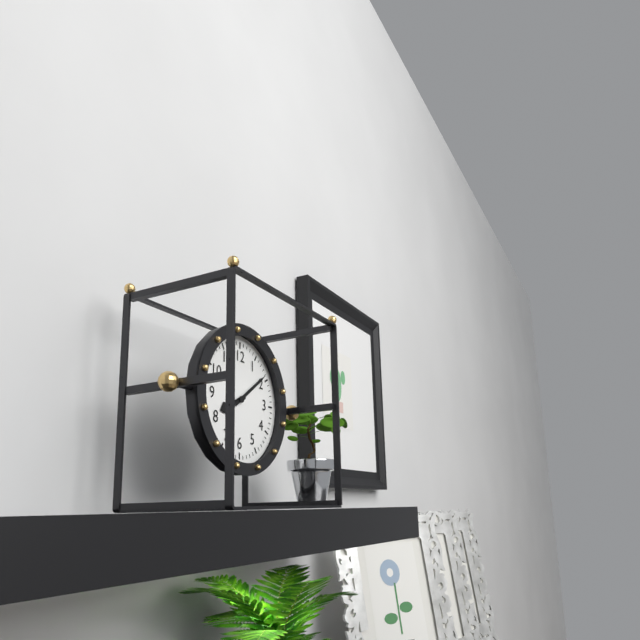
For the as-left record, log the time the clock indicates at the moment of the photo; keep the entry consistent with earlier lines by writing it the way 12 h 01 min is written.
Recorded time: 8 h 09 min
